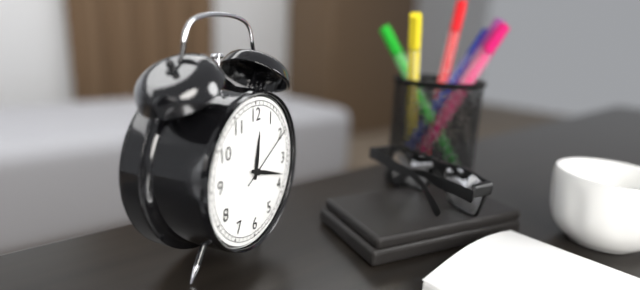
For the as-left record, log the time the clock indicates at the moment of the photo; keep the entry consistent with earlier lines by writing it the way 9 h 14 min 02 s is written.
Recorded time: 12 h 18 min 10 s
